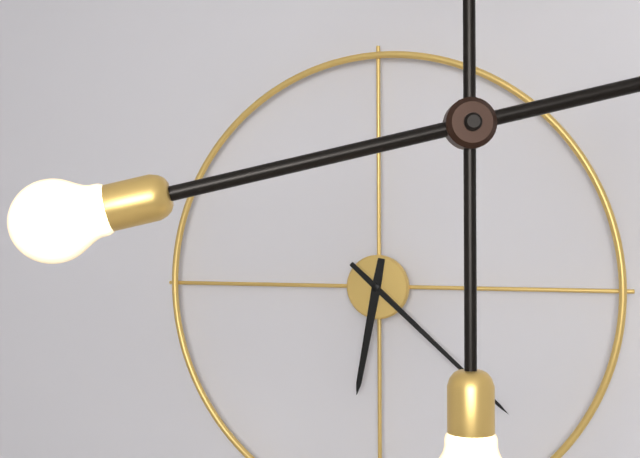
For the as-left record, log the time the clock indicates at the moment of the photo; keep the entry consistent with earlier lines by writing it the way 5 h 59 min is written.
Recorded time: 6 h 22 min
